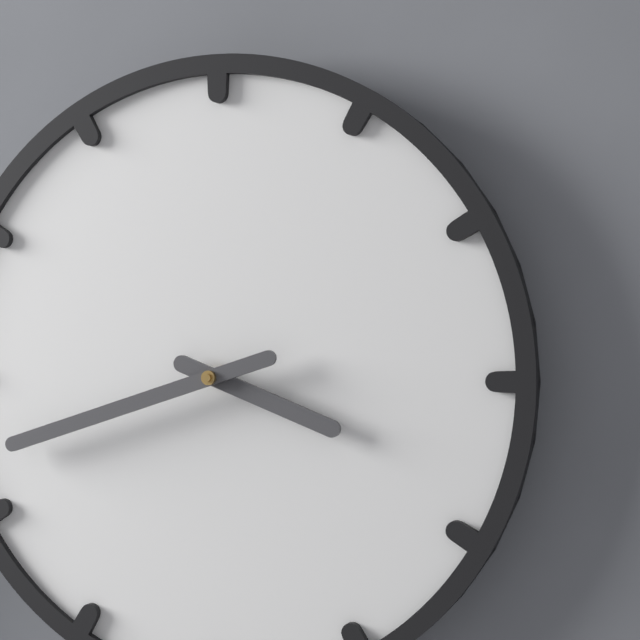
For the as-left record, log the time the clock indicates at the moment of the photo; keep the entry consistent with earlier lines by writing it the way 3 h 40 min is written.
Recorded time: 3 h 42 min
